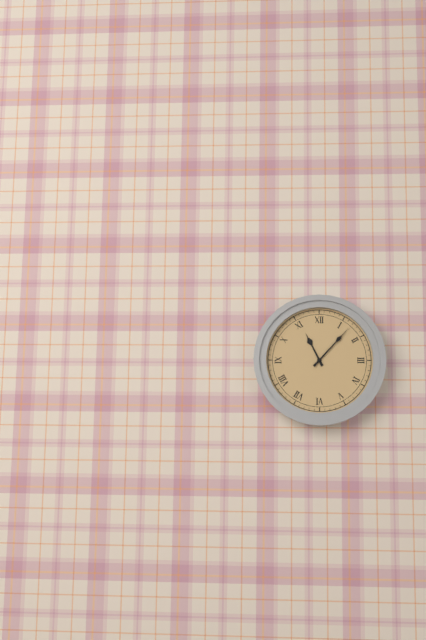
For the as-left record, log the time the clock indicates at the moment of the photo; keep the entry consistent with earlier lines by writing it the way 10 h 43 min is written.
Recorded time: 11 h 07 min
